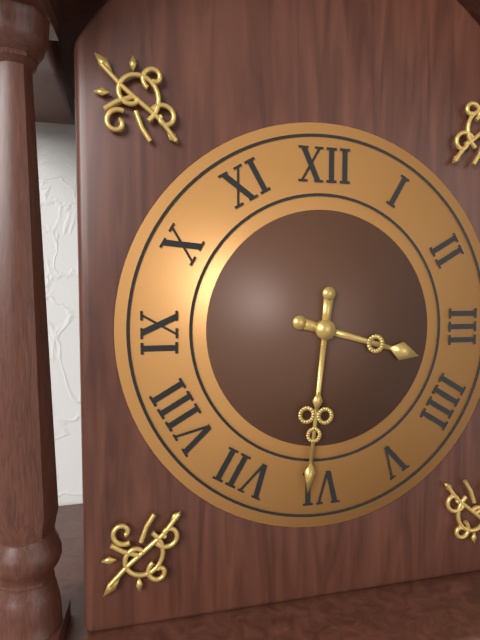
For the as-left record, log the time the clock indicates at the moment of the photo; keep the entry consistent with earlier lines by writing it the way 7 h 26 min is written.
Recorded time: 3 h 31 min
